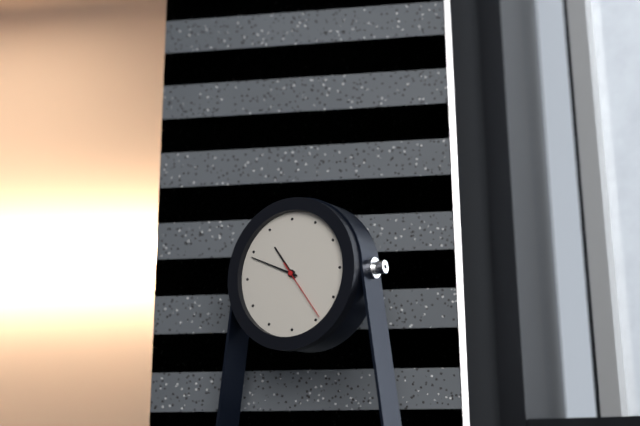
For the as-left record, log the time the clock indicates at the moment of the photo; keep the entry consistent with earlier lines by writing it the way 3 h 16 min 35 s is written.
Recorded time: 10 h 49 min 24 s
